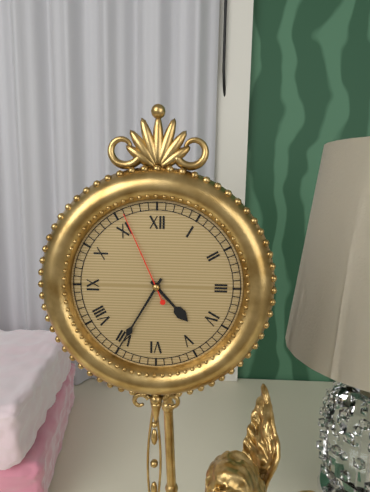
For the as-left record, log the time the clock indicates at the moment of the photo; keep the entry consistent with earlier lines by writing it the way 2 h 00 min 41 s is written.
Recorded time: 4 h 35 min 56 s
